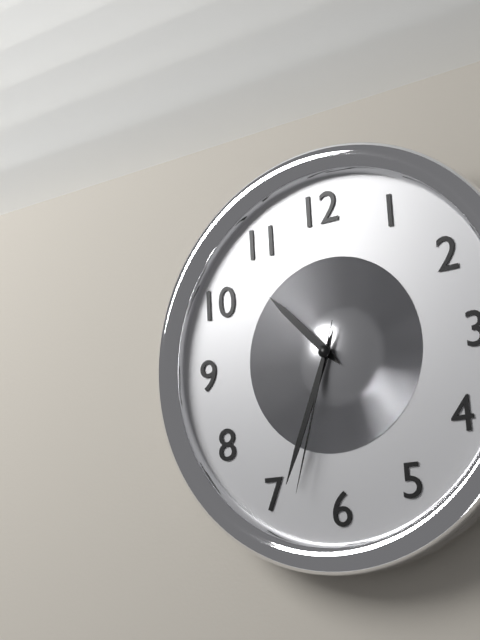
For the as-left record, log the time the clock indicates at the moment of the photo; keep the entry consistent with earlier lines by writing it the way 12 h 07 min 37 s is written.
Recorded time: 10 h 34 min 33 s
